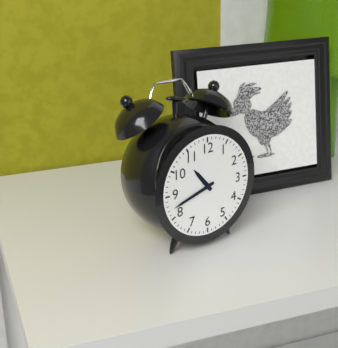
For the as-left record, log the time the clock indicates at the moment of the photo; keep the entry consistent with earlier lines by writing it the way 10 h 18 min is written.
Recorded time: 10 h 42 min
